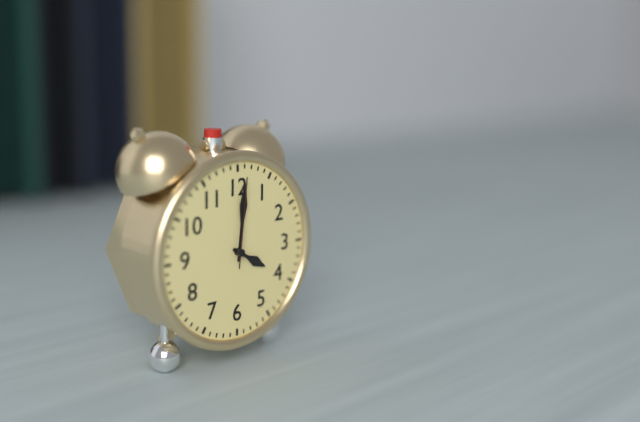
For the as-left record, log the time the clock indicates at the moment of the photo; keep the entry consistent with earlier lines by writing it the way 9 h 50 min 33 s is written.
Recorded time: 4 h 01 min 01 s
